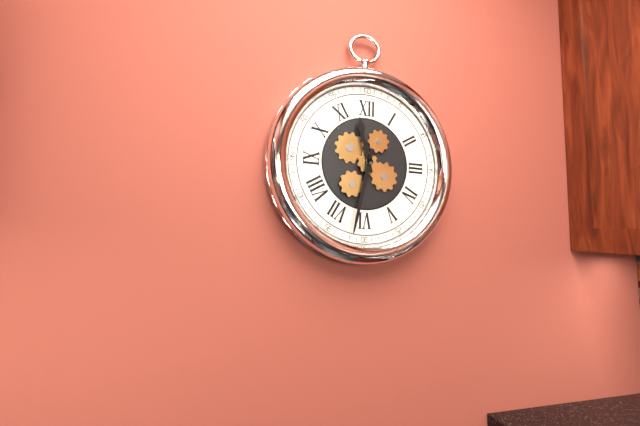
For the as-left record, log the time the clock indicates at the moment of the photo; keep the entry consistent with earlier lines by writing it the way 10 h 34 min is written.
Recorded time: 11 h 32 min
